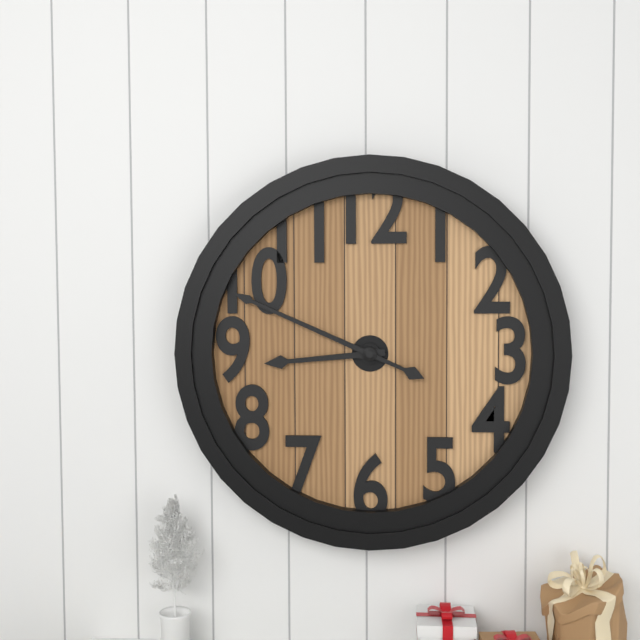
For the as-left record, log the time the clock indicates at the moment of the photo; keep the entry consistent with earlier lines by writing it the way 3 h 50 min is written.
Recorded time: 8 h 49 min
